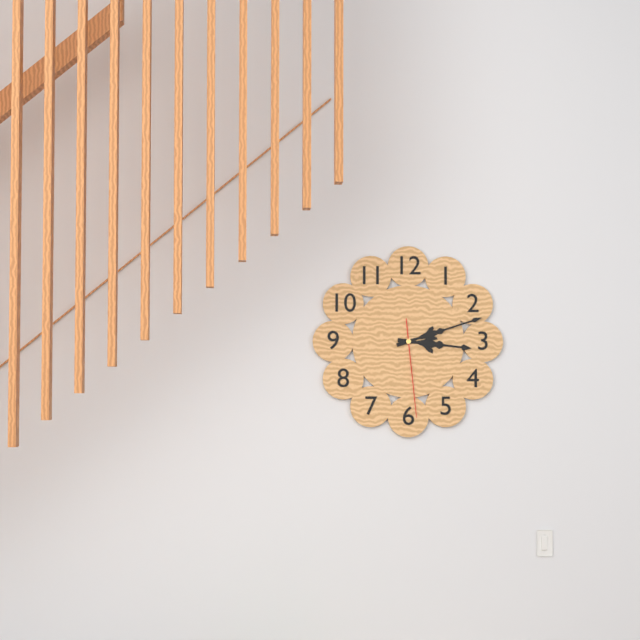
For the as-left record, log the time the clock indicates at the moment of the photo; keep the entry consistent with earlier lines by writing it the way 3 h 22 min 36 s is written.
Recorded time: 3 h 12 min 29 s
